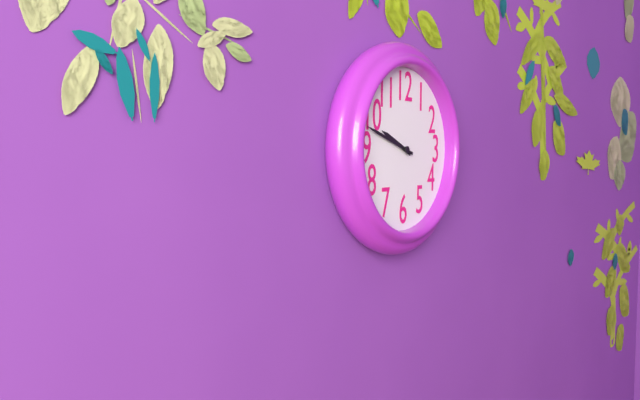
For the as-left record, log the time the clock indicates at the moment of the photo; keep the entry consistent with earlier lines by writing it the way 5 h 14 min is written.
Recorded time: 9 h 48 min
